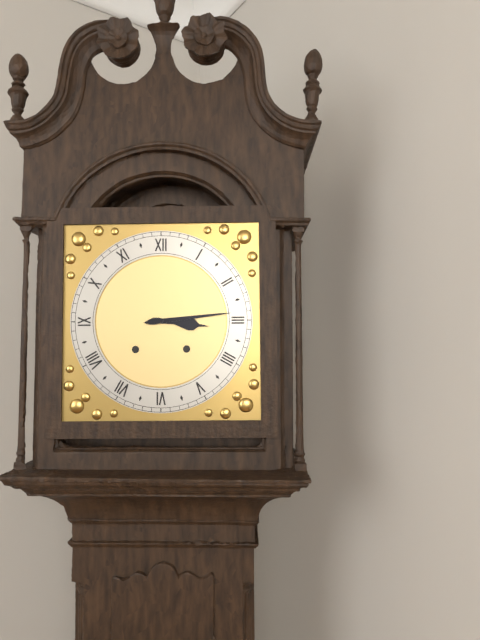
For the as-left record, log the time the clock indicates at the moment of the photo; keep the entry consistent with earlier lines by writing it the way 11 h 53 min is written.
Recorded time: 3 h 14 min
